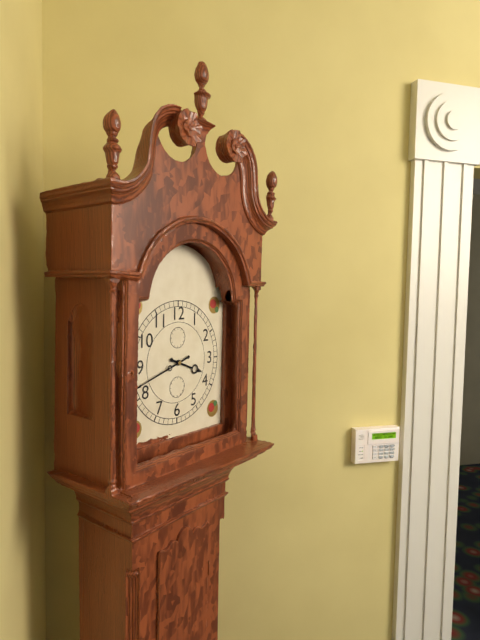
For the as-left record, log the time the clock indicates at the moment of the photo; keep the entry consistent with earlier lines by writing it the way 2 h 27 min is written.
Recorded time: 3 h 42 min
